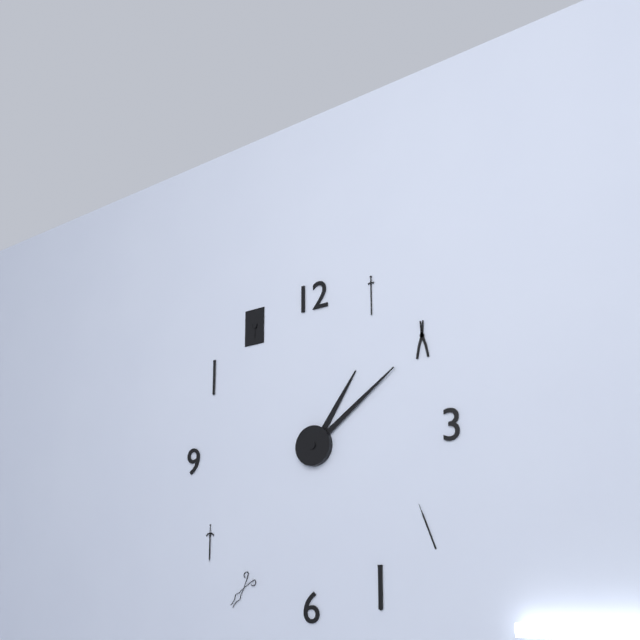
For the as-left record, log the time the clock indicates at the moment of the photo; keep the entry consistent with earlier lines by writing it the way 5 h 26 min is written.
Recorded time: 1 h 09 min
